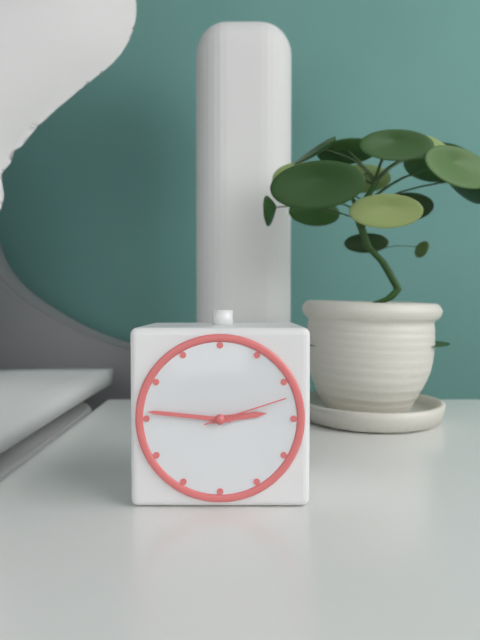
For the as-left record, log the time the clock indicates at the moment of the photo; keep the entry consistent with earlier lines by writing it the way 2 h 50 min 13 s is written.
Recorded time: 2 h 46 min 12 s
